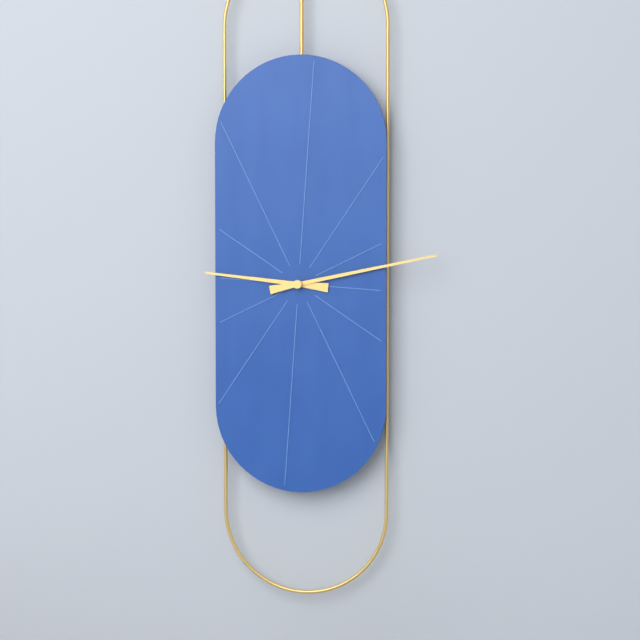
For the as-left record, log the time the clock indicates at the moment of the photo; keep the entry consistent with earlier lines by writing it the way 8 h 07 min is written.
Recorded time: 9 h 13 min
